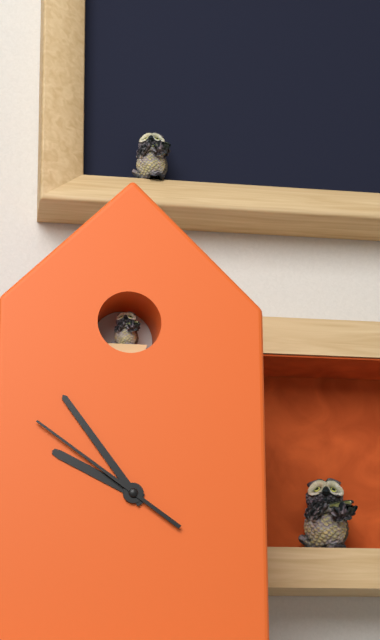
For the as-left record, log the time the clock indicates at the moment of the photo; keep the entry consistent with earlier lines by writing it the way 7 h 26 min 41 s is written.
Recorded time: 9 h 54 min 51 s
